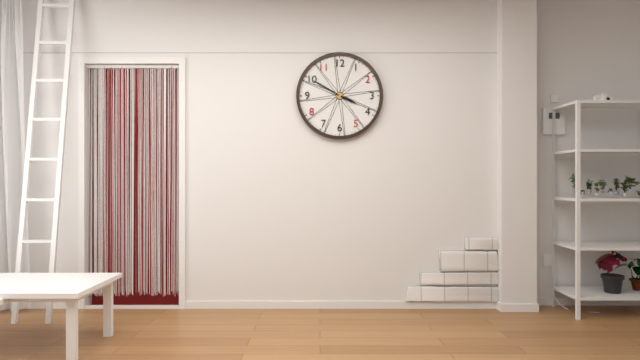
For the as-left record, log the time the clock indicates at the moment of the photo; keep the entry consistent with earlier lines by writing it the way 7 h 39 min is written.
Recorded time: 3 h 50 min
